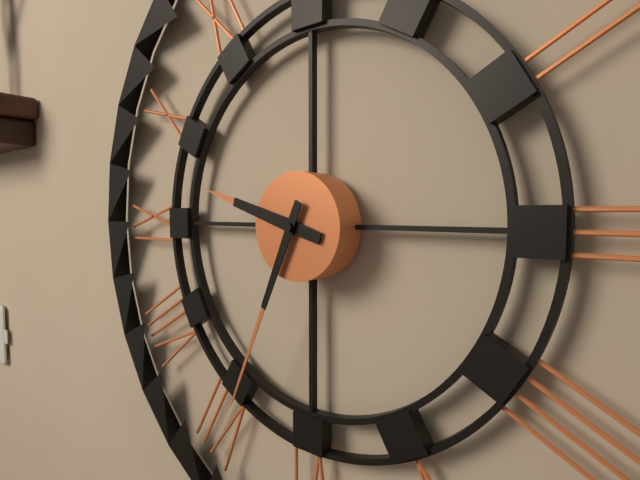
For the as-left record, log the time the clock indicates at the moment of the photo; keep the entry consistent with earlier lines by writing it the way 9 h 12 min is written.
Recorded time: 9 h 34 min
